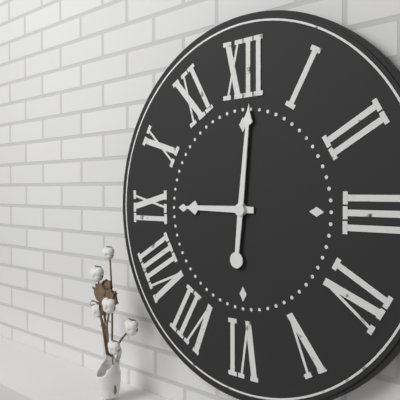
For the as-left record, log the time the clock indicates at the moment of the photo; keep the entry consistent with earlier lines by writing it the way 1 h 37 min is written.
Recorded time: 9 h 01 min
